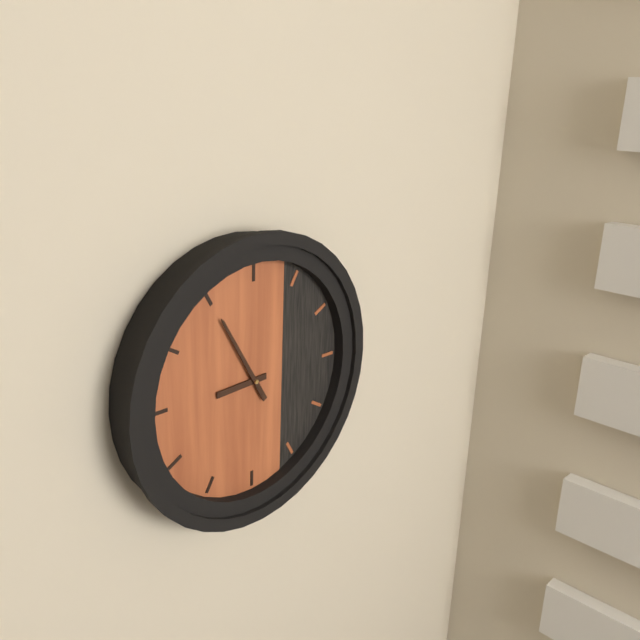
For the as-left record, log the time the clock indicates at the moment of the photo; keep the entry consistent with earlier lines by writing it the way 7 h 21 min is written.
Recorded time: 8 h 55 min
